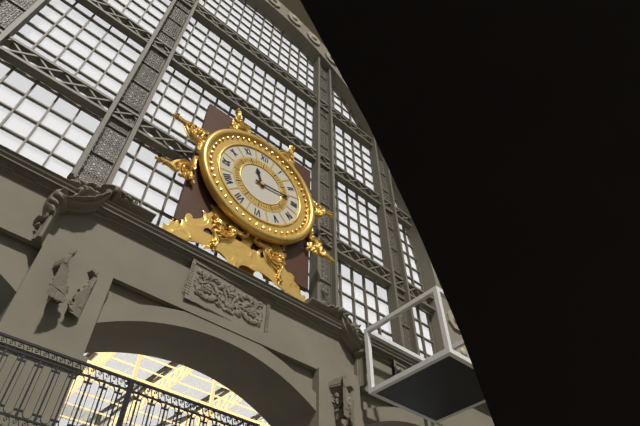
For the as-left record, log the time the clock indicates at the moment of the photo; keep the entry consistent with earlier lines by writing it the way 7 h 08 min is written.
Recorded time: 11 h 14 min
